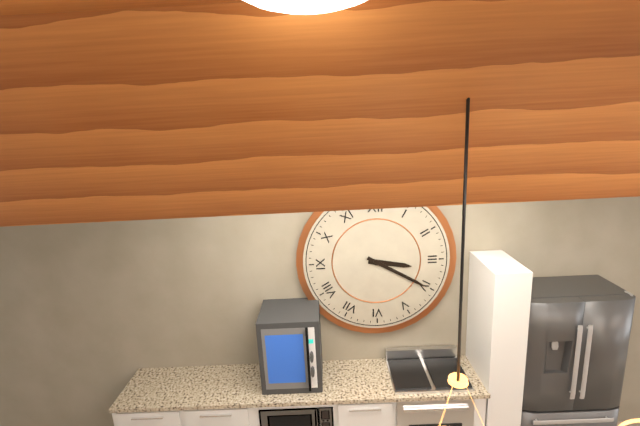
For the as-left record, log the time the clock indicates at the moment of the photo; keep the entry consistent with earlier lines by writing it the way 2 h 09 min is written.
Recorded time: 3 h 20 min
